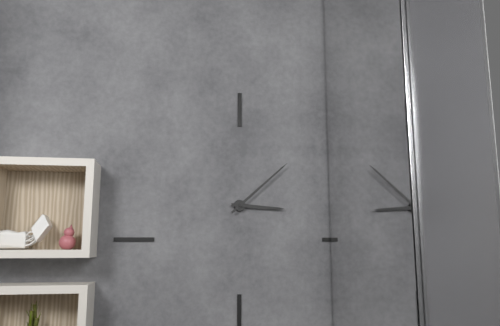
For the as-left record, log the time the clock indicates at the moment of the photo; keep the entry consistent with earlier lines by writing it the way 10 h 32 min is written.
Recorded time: 3 h 08 min
